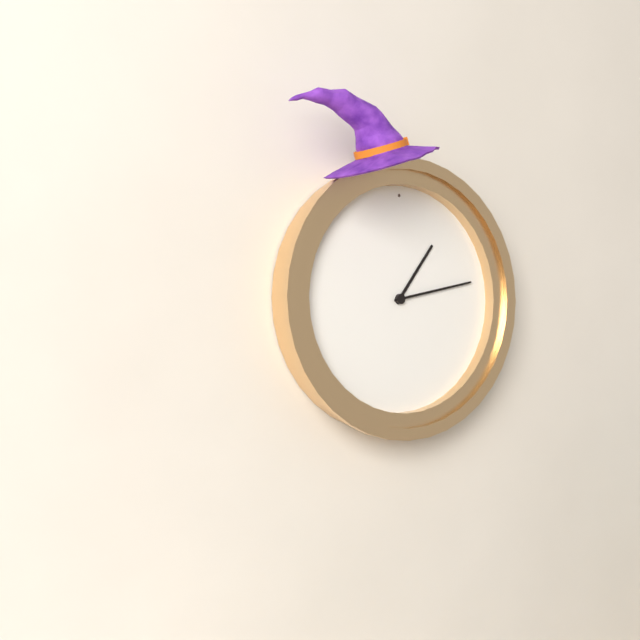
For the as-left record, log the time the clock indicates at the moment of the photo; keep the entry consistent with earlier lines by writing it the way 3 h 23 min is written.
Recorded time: 1 h 13 min
